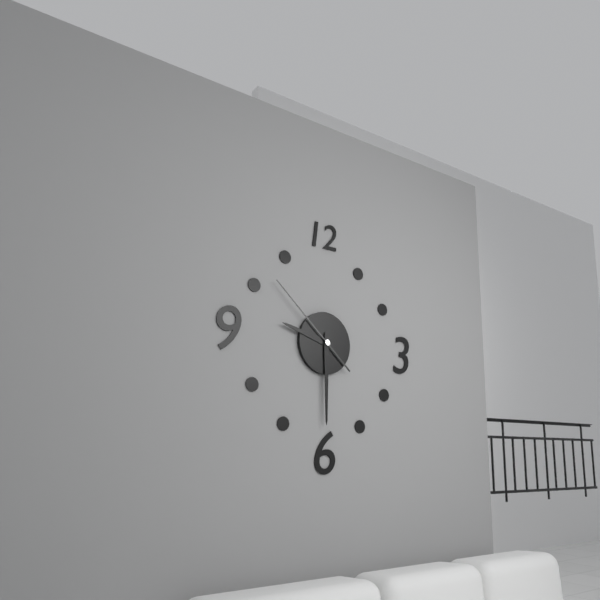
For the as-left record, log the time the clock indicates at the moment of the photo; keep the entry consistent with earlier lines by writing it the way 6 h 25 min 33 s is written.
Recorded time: 9 h 30 min 52 s
